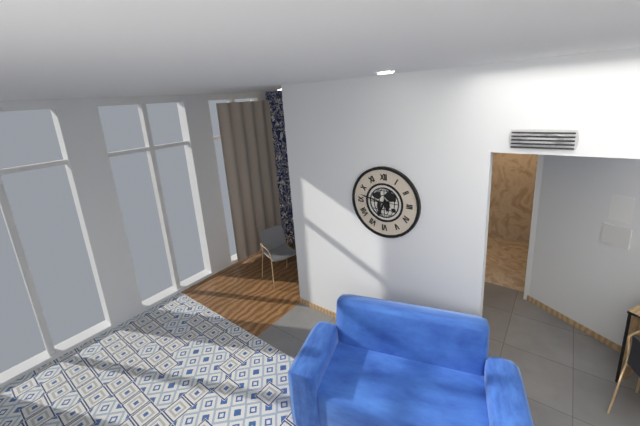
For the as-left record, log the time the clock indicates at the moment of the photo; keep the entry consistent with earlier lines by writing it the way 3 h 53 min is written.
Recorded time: 6 h 47 min
